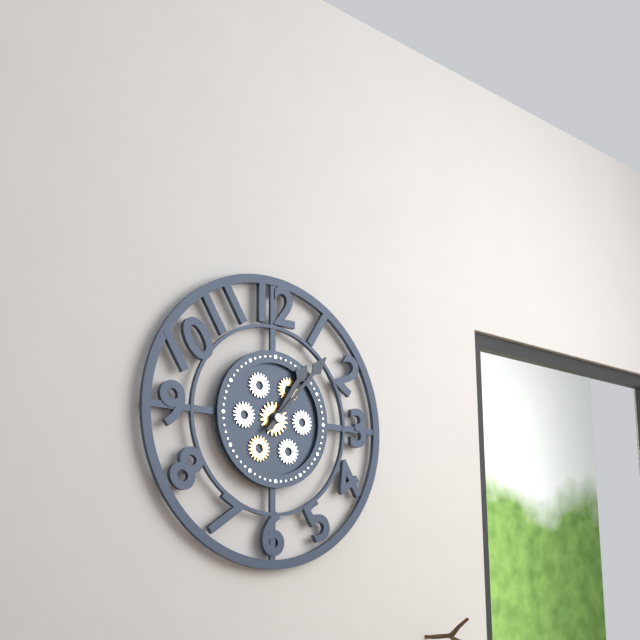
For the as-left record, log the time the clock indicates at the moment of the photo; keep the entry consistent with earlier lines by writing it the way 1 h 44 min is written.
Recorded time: 1 h 07 min
